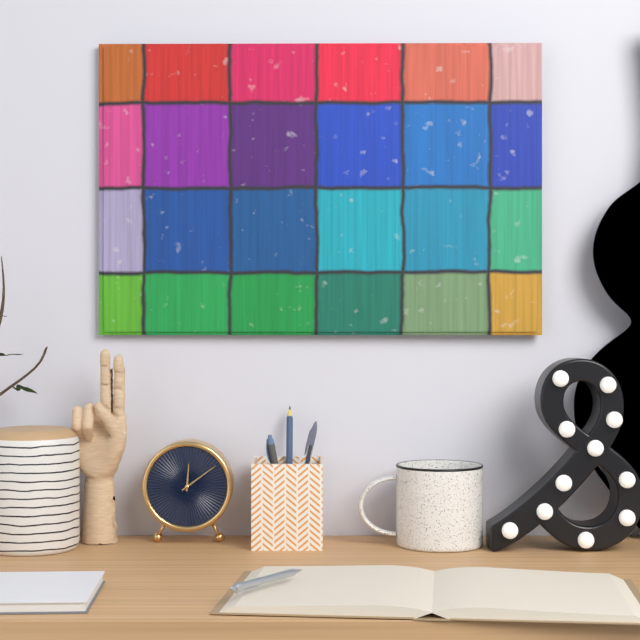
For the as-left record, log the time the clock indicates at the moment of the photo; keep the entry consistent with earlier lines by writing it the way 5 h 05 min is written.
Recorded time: 12 h 09 min
